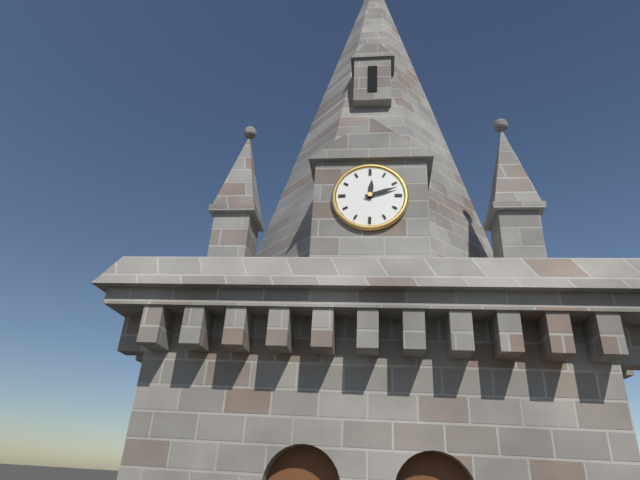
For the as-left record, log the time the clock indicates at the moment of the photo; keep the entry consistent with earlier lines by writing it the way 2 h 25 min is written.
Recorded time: 12 h 12 min
